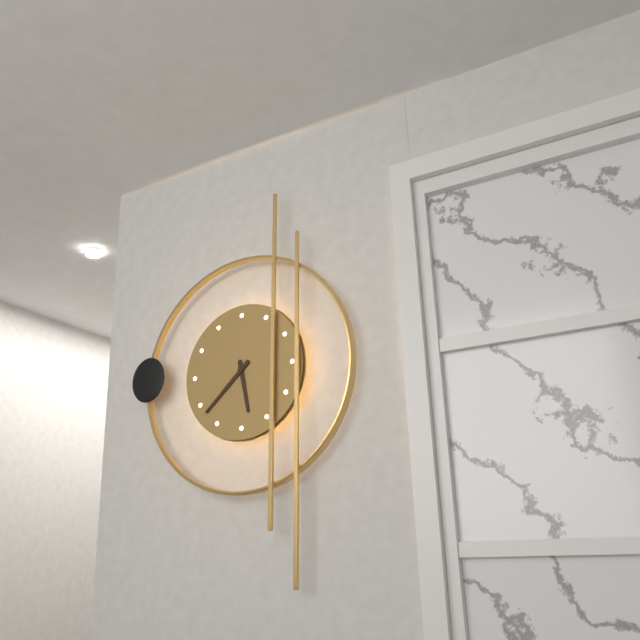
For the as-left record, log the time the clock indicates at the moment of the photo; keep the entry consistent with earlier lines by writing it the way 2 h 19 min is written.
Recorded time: 5 h 38 min
